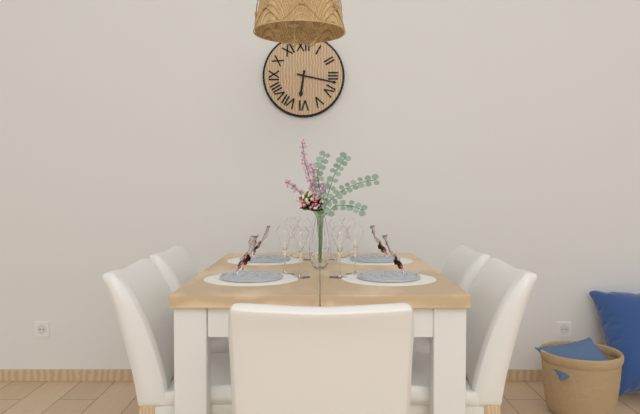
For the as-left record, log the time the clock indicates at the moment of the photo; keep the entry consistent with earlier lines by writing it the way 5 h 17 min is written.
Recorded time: 6 h 17 min
